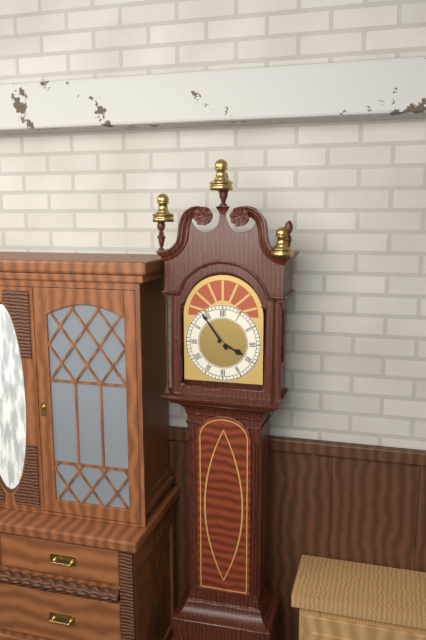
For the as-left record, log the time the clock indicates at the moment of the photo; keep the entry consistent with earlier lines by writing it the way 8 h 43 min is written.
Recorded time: 3 h 54 min
